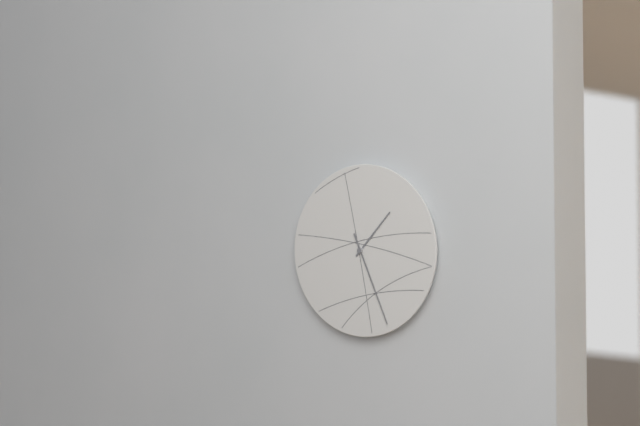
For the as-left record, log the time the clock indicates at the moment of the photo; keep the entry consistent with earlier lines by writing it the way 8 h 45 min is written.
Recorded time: 1 h 26 min
